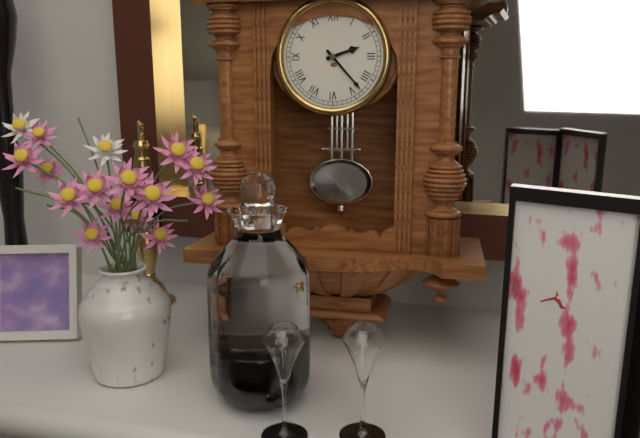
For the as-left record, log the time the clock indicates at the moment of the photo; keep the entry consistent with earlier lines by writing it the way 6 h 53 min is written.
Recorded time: 2 h 23 min
